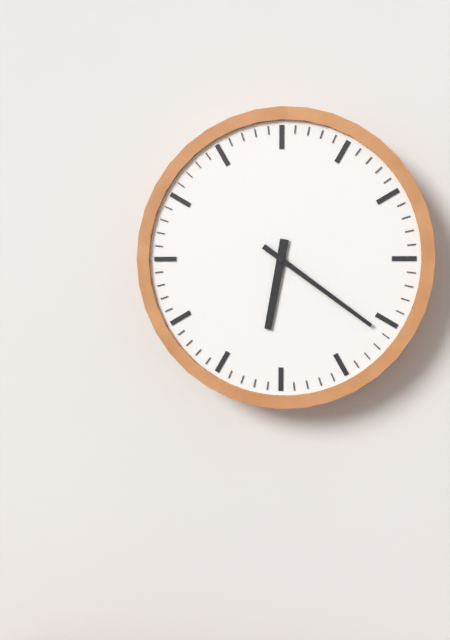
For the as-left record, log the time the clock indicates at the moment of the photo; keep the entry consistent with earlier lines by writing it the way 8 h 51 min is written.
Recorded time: 6 h 21 min
